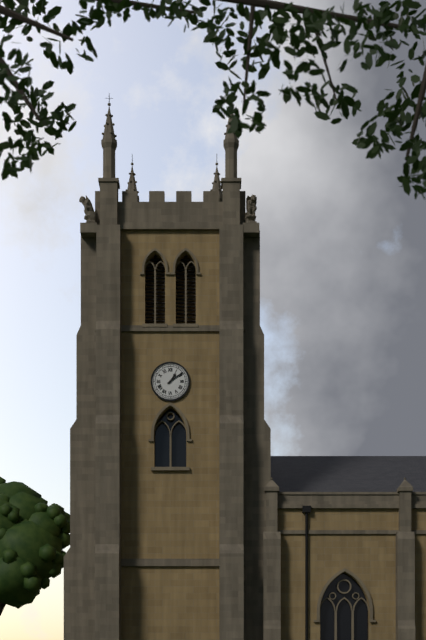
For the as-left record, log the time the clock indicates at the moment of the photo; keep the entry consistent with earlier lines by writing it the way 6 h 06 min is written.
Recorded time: 1 h 09 min
